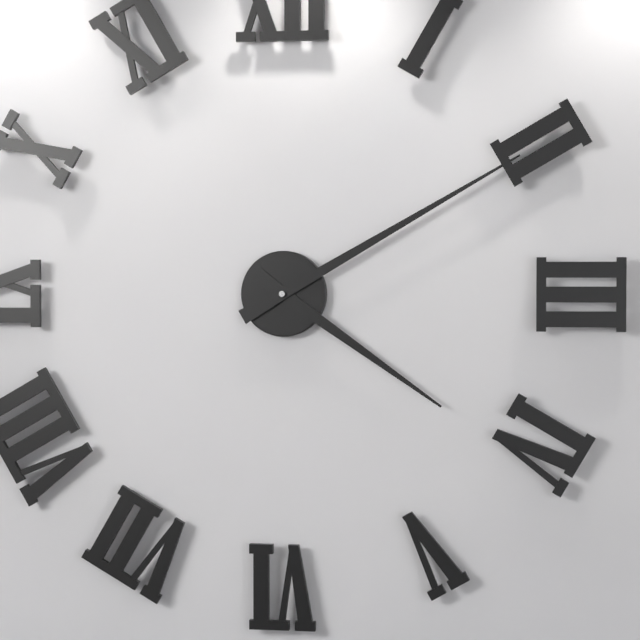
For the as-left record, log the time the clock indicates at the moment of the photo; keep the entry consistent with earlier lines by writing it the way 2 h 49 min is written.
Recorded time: 4 h 10 min
